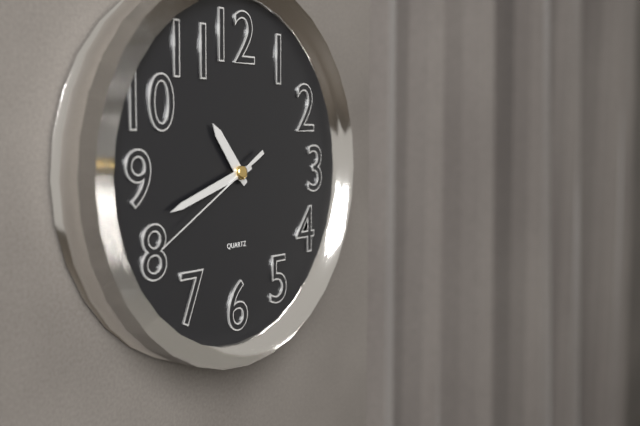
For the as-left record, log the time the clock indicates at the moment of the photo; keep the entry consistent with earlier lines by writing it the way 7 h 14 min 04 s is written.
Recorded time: 10 h 42 min 40 s
